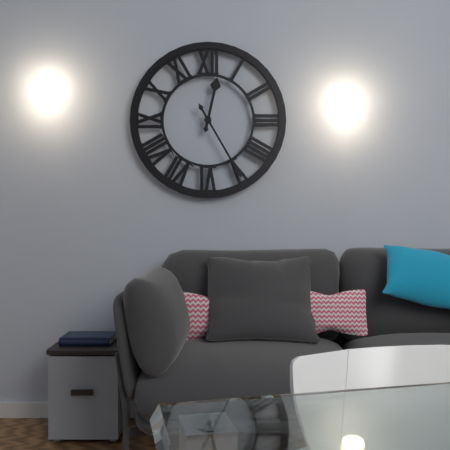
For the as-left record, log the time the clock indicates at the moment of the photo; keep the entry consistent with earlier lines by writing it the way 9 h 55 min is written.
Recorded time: 12 h 25 min
